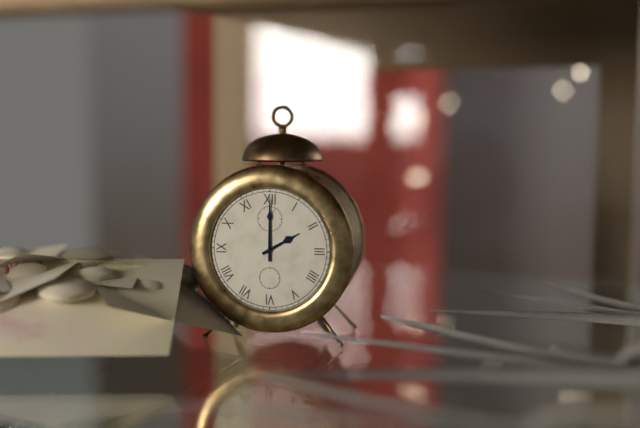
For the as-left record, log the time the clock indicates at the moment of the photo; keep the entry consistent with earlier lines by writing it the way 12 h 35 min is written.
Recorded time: 2 h 00 min
